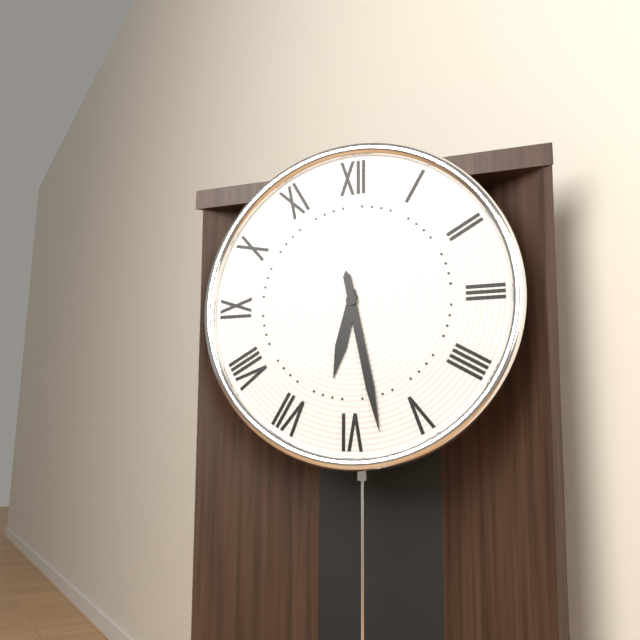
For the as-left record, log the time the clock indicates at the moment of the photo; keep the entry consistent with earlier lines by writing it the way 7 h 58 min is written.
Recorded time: 6 h 28 min
